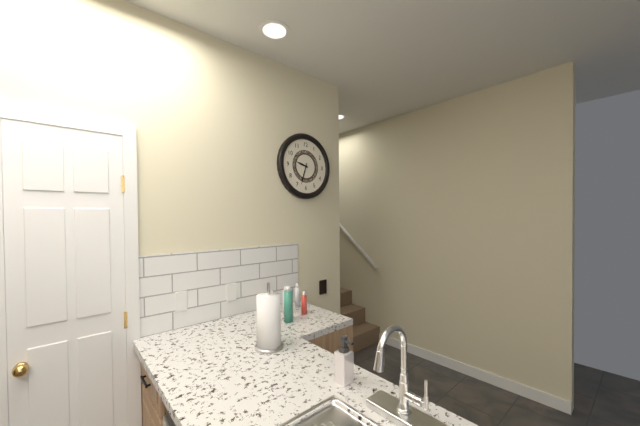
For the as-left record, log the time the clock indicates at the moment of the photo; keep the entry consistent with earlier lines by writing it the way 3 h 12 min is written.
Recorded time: 9 h 33 min
